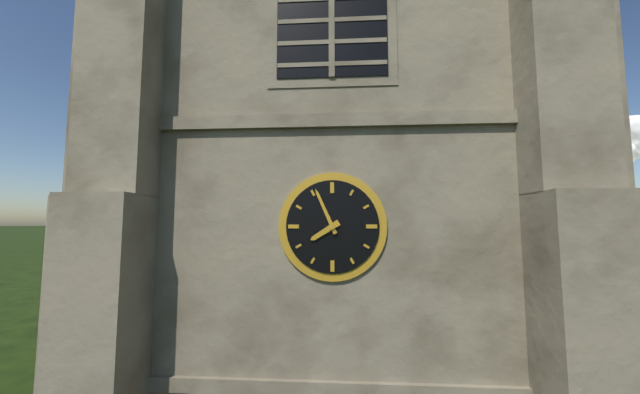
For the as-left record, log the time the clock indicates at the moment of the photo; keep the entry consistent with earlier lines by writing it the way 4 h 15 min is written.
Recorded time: 7 h 56 min
